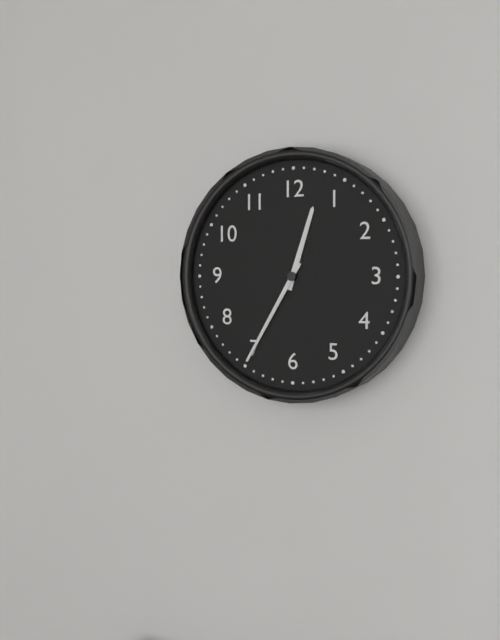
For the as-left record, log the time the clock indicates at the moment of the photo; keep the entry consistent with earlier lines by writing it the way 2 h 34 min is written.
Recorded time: 12 h 35 min
